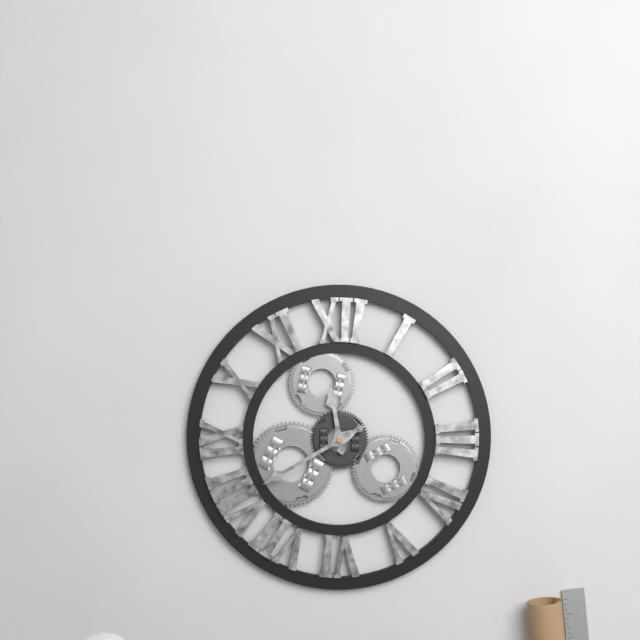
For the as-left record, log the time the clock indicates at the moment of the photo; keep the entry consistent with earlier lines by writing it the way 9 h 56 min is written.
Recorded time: 11 h 40 min
